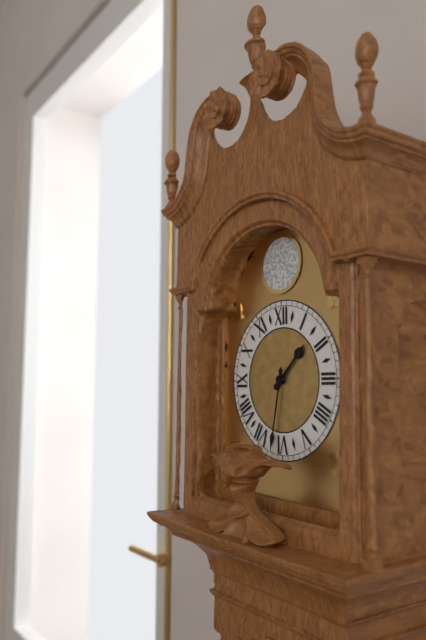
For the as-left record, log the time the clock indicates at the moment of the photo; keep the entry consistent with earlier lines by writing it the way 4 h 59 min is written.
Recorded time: 1 h 32 min
